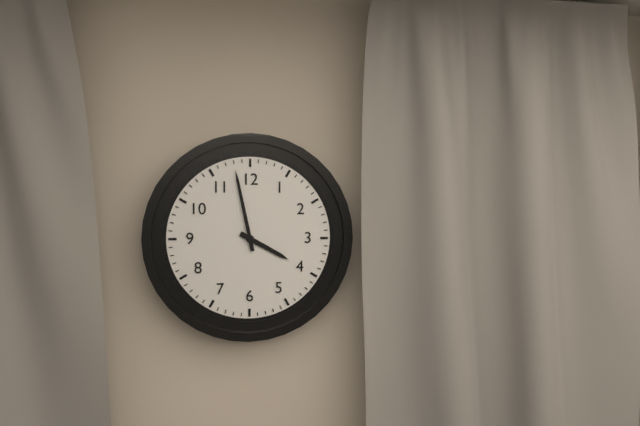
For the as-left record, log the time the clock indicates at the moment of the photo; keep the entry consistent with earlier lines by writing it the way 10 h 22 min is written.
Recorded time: 3 h 58 min
